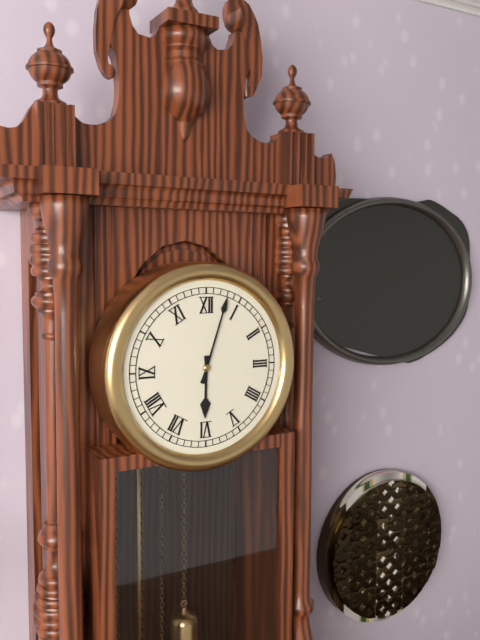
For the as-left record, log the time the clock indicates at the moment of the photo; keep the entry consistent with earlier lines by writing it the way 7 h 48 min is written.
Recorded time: 6 h 03 min
